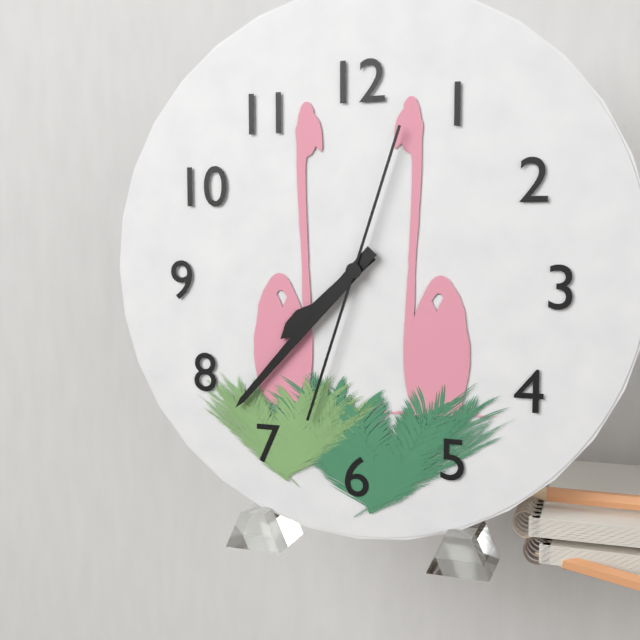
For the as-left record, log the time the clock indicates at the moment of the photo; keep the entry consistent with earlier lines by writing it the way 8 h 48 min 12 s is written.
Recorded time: 7 h 37 min 33 s
